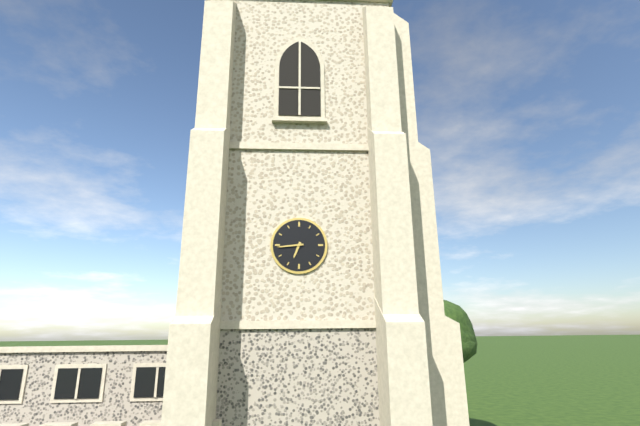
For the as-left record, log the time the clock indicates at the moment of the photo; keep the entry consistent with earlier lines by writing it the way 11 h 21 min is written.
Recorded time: 6 h 44 min
